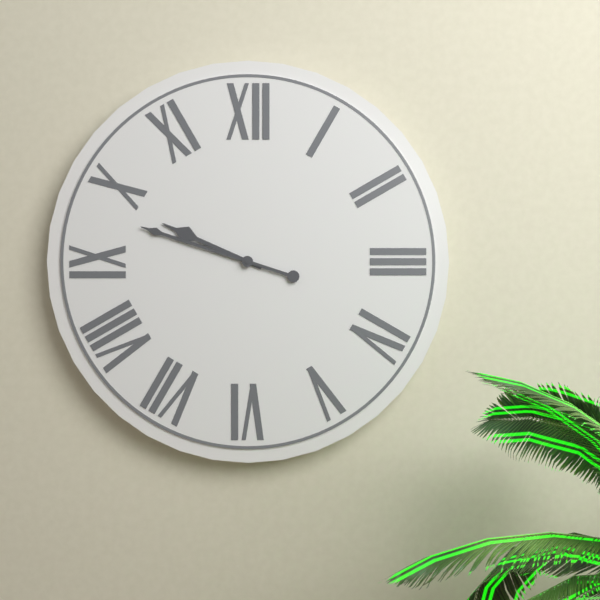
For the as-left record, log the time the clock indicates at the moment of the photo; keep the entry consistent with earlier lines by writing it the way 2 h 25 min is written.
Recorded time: 9 h 48 min
